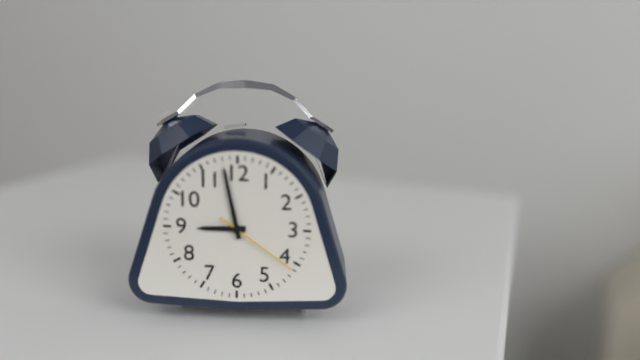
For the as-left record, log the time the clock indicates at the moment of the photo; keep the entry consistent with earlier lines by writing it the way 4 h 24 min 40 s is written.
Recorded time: 8 h 58 min 21 s
